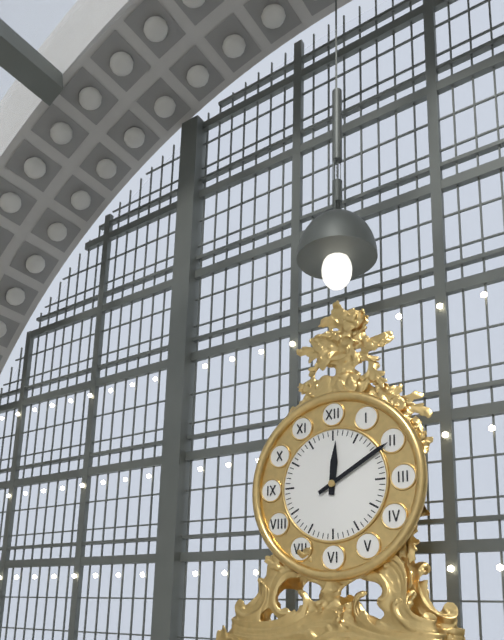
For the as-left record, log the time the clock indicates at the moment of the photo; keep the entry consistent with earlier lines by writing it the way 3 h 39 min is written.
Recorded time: 12 h 10 min
